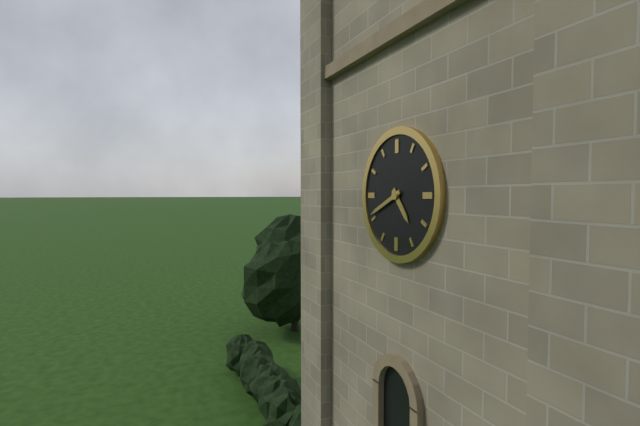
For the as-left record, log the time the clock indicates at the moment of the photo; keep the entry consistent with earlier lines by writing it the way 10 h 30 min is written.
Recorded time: 4 h 41 min
